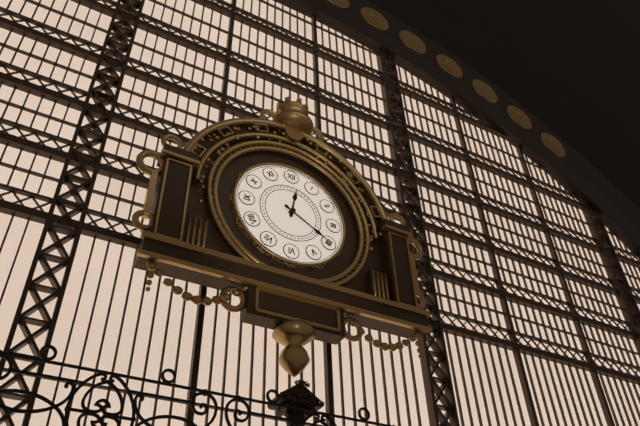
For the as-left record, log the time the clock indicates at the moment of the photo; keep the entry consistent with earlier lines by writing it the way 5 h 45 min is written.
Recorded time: 12 h 20 min
